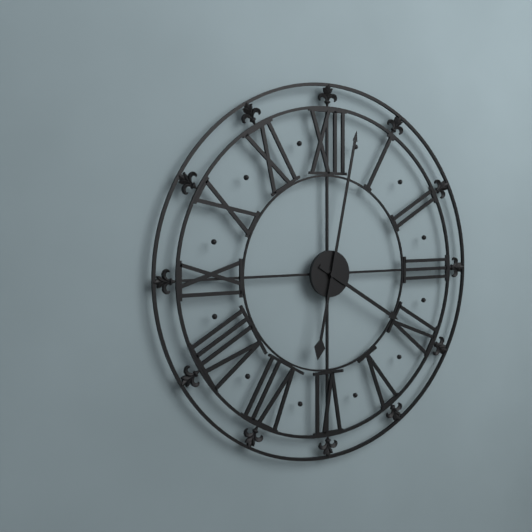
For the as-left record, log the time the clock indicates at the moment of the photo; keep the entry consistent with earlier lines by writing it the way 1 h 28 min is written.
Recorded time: 4 h 02 min
